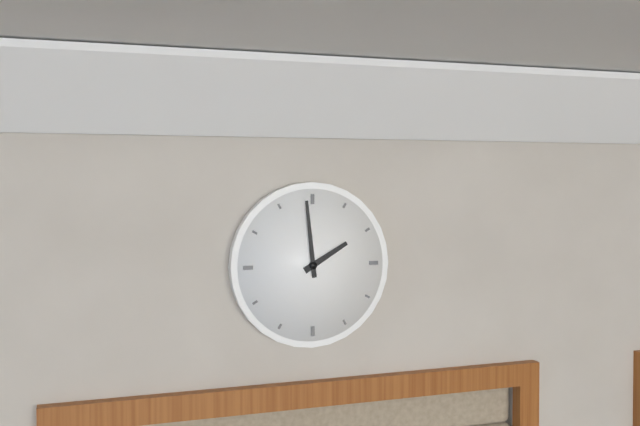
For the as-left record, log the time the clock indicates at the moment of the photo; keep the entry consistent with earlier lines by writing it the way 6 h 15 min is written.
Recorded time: 1 h 59 min
